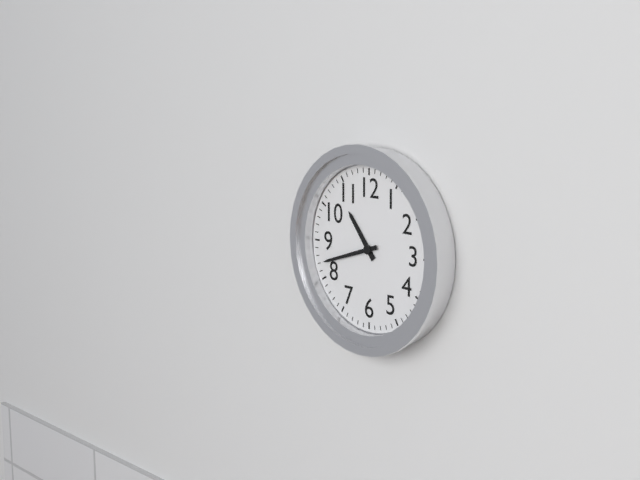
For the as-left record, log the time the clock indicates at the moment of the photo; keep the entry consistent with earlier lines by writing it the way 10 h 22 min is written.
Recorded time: 10 h 42 min
